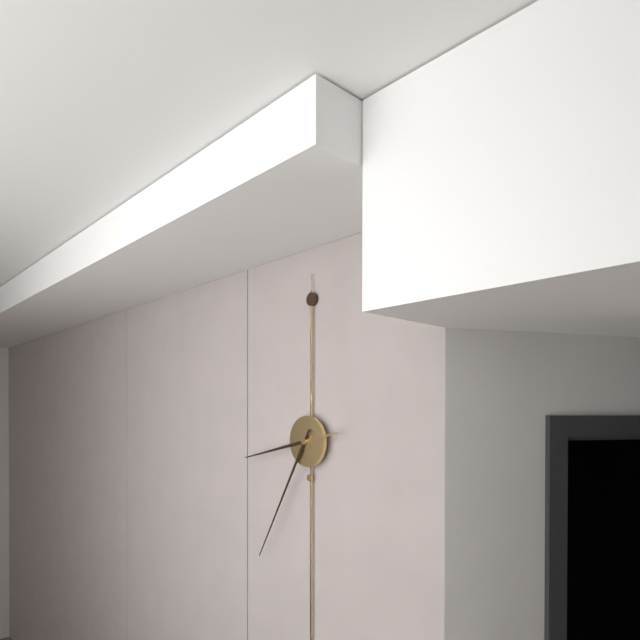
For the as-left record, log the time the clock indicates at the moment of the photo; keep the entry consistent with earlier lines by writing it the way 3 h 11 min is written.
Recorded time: 8 h 35 min
